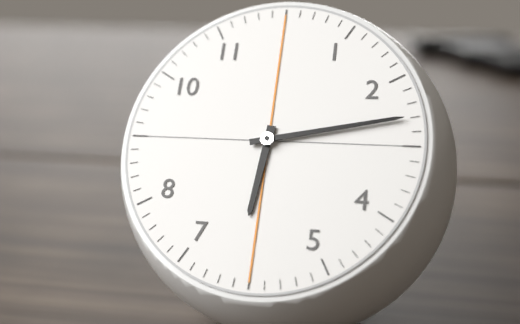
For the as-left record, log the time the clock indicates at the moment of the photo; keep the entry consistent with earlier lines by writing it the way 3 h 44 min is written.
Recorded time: 6 h 13 min
